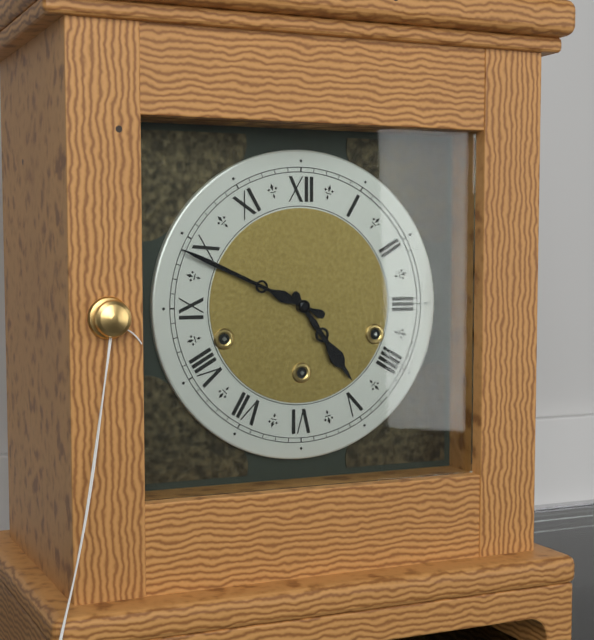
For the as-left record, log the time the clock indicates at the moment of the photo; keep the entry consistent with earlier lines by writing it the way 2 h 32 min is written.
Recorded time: 4 h 49 min
